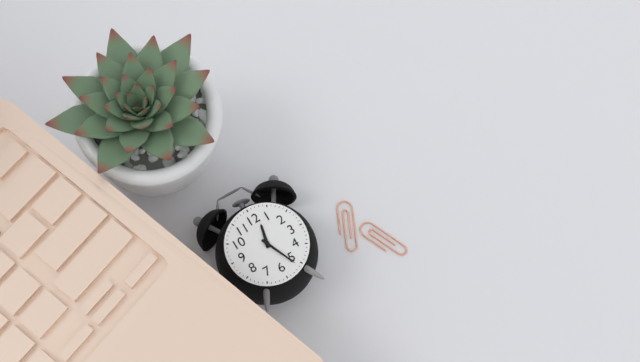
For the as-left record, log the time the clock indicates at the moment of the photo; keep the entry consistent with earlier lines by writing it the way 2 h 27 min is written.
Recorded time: 12 h 26 min
